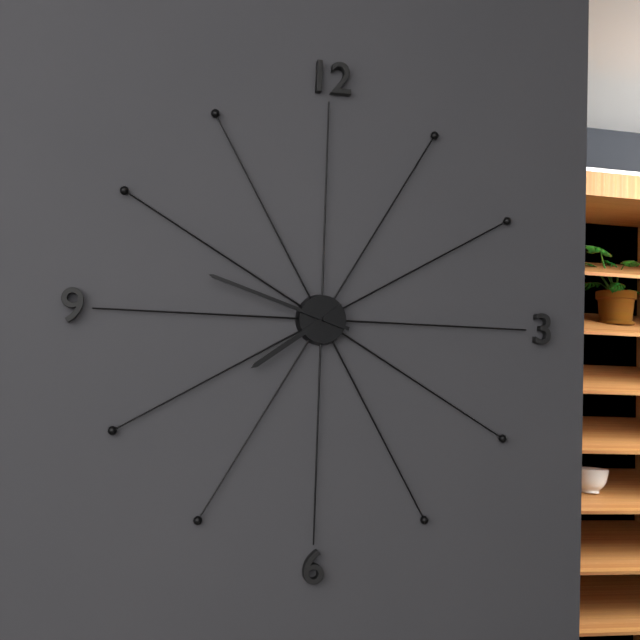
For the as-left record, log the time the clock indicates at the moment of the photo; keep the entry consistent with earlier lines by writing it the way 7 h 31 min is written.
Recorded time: 7 h 48 min
